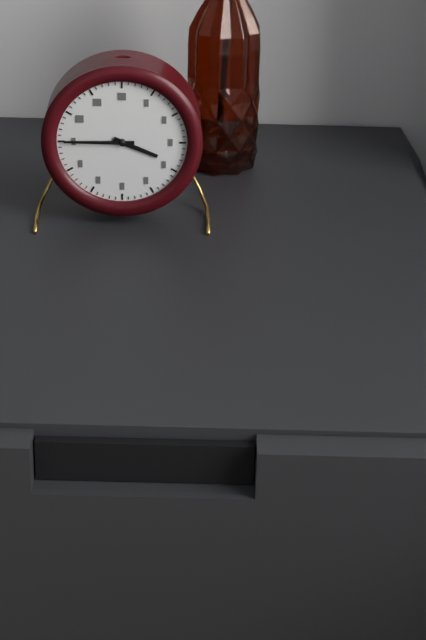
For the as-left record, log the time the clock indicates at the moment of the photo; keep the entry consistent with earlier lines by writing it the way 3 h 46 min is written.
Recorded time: 3 h 45 min
